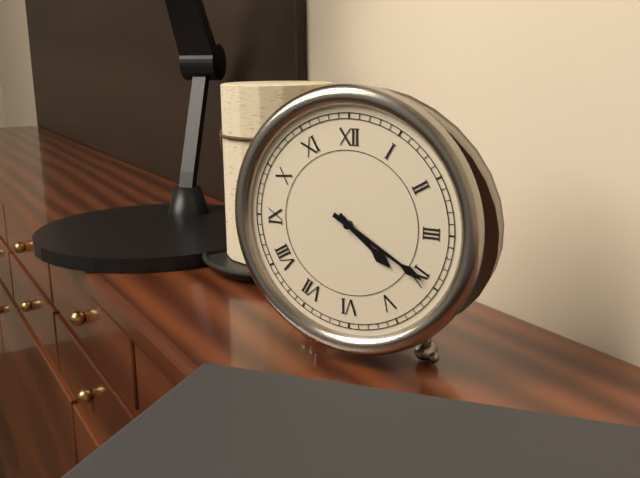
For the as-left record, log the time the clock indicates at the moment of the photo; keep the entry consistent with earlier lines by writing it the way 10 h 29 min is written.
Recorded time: 4 h 20 min
